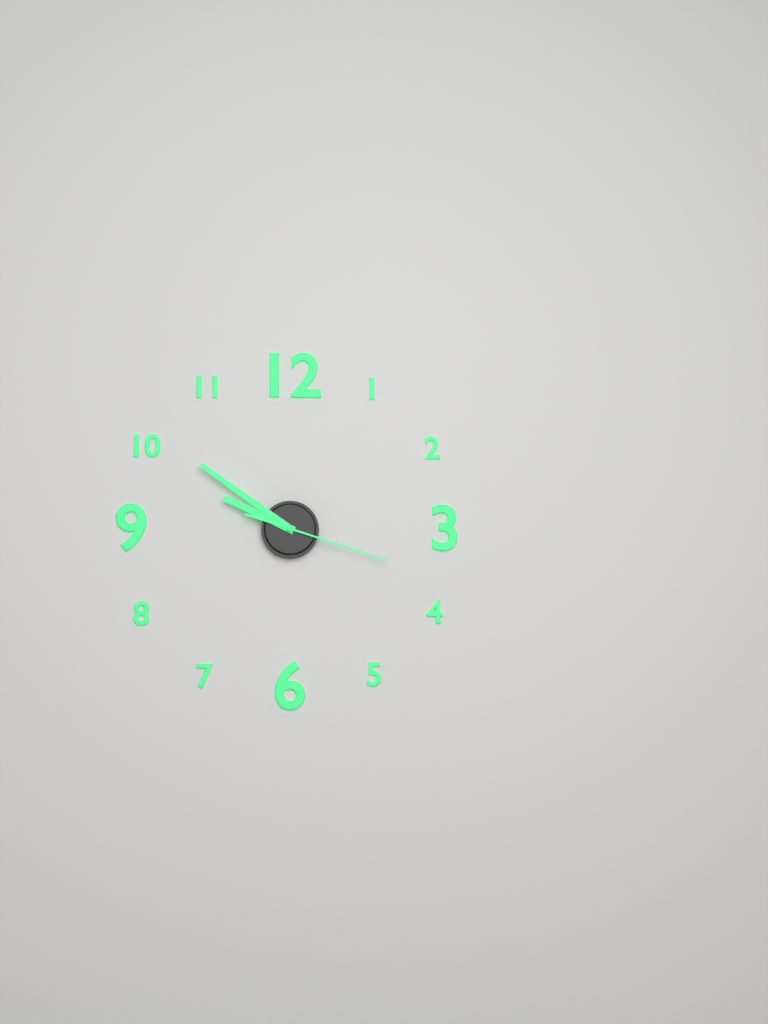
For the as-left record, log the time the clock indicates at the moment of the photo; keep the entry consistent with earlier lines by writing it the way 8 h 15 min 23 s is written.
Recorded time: 9 h 51 min 18 s
